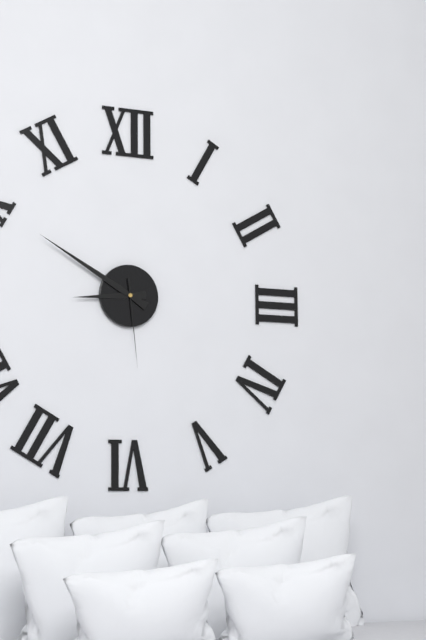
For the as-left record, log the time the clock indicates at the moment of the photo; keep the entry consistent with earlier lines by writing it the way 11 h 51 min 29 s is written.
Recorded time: 8 h 50 min 29 s
